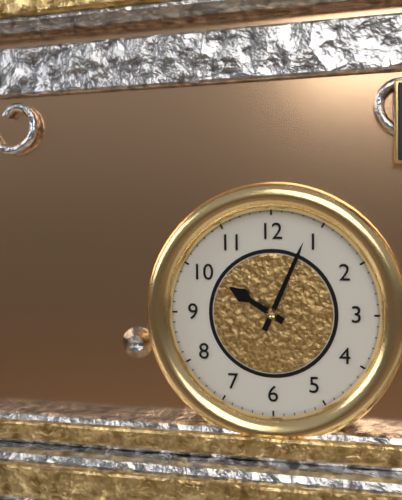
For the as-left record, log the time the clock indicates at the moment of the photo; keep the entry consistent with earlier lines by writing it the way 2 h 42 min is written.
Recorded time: 10 h 04 min
